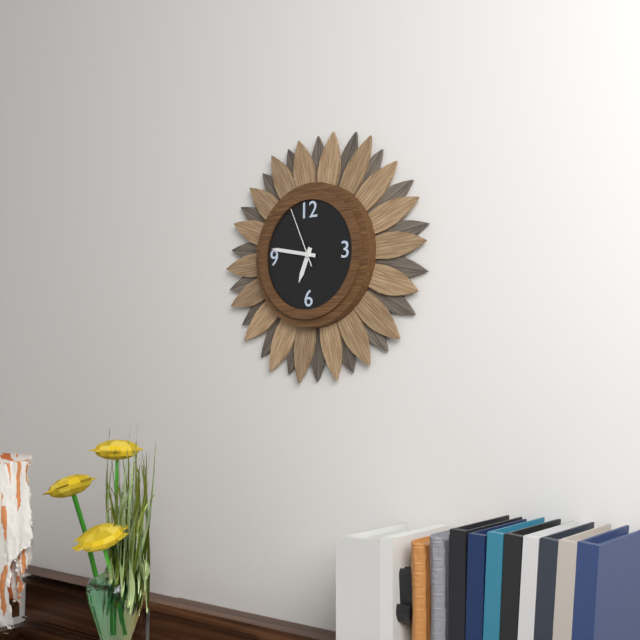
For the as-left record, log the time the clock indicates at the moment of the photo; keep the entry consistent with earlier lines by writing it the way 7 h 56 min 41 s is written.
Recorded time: 6 h 47 min 56 s
